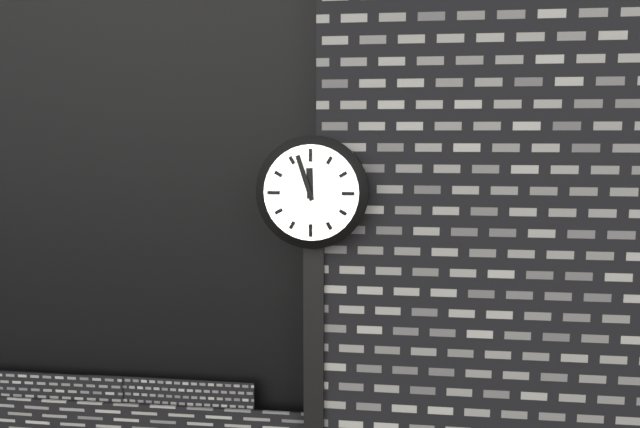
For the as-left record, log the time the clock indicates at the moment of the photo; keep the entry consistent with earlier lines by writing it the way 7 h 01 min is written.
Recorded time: 11 h 57 min
